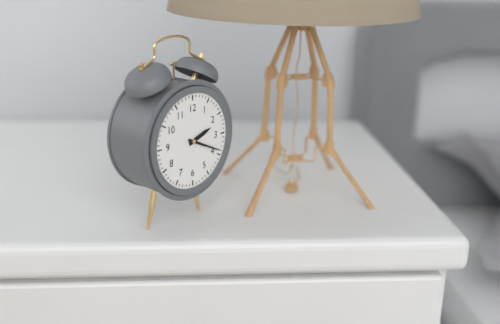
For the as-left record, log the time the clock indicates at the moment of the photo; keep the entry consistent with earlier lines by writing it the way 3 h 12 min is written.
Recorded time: 2 h 19 min
